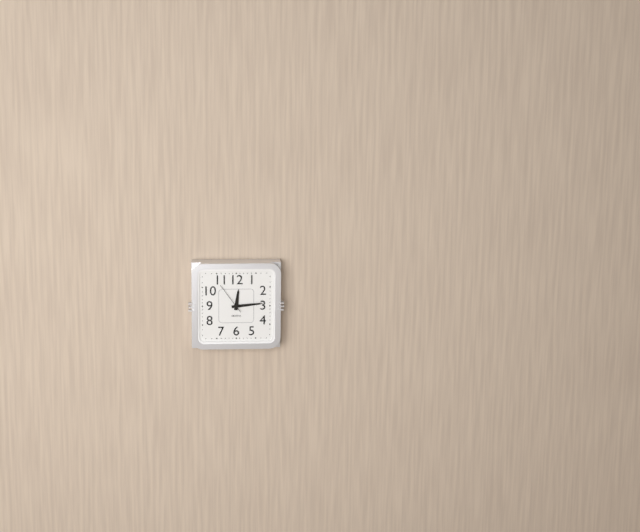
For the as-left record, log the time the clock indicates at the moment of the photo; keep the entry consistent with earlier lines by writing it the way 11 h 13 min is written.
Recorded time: 12 h 14 min
